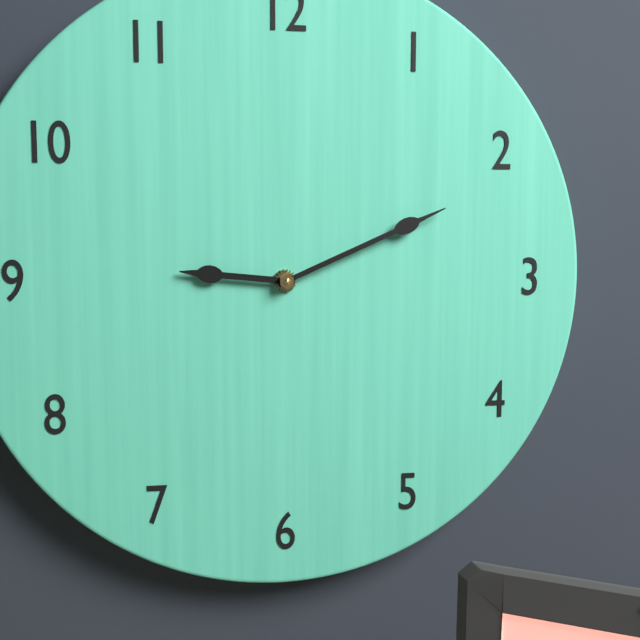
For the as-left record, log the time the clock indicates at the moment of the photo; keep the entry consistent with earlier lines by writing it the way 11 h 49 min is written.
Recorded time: 9 h 11 min
